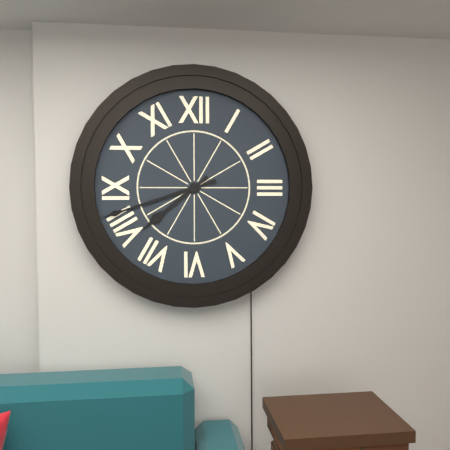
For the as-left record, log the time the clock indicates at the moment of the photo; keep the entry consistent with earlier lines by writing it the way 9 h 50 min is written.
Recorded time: 7 h 42 min
